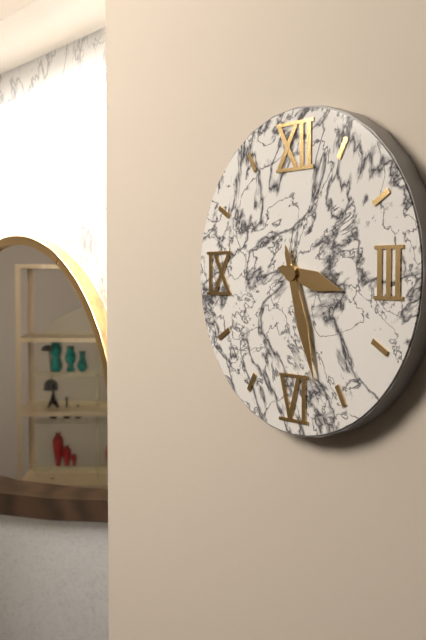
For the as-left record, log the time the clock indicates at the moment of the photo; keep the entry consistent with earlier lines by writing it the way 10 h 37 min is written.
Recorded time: 3 h 27 min
